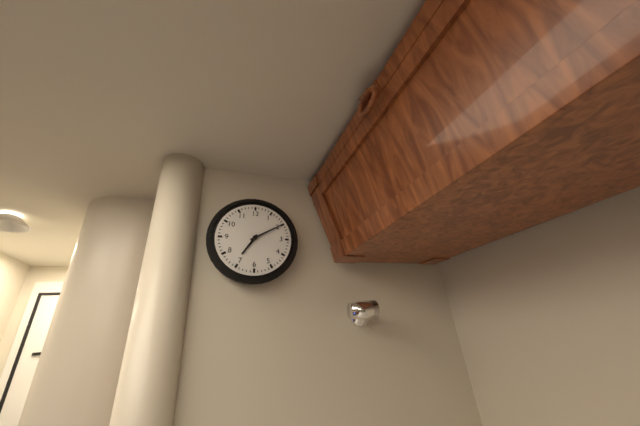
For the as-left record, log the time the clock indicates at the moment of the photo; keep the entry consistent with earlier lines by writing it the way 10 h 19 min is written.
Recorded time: 7 h 10 min
